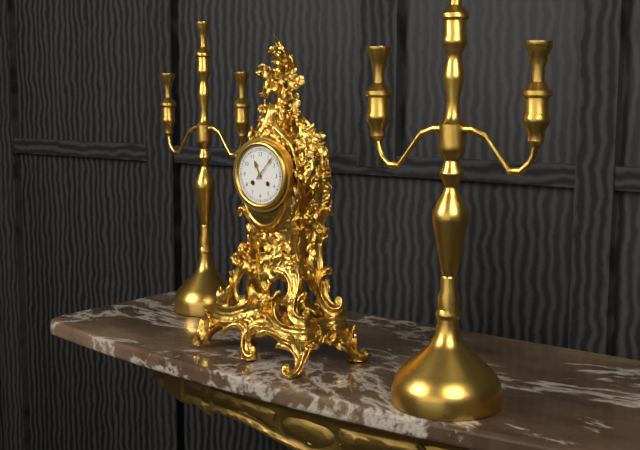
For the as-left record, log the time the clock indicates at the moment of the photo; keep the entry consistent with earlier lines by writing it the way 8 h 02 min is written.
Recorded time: 11 h 07 min
